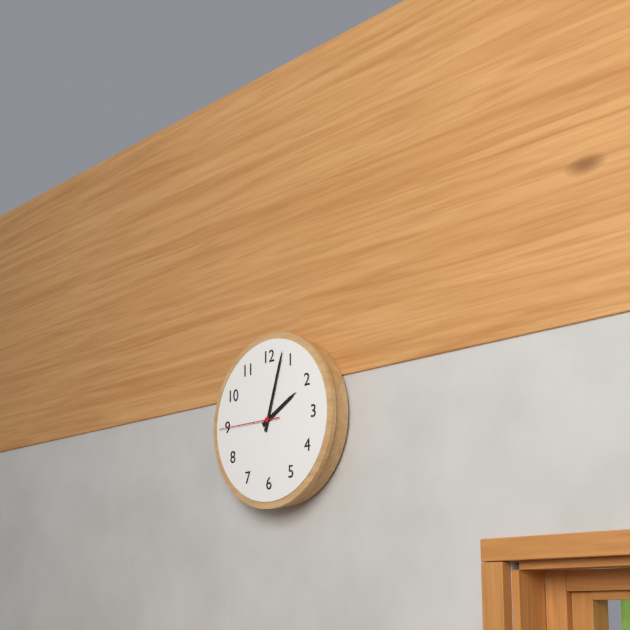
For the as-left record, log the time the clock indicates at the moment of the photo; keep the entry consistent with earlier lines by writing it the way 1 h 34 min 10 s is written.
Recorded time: 2 h 03 min 45 s
